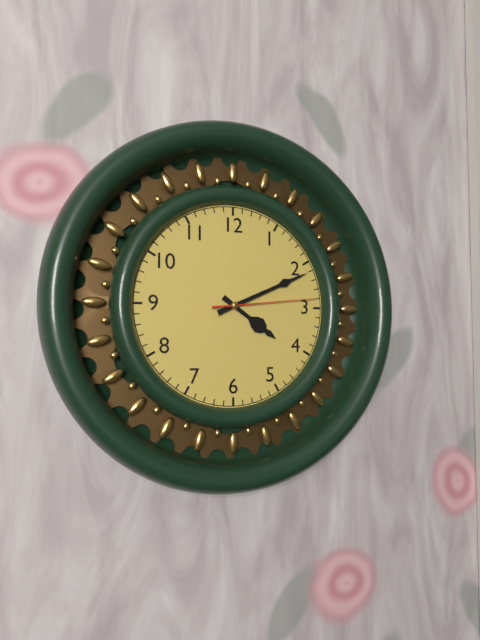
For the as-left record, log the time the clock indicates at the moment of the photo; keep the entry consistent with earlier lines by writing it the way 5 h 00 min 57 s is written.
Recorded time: 4 h 11 min 14 s
